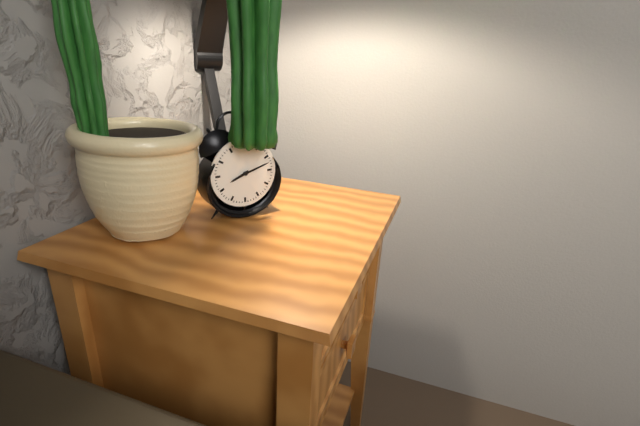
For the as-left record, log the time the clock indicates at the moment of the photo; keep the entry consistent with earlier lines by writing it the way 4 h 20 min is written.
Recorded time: 8 h 12 min
